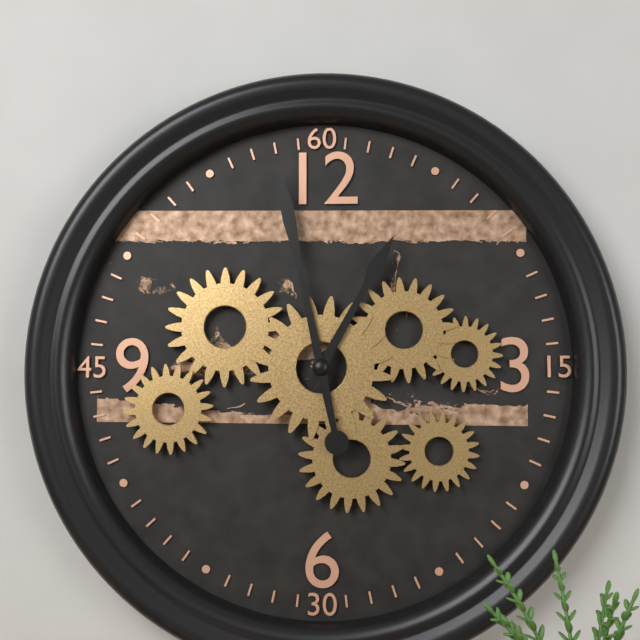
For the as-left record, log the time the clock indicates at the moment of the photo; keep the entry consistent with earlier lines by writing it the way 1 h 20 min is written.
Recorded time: 12 h 58 min
